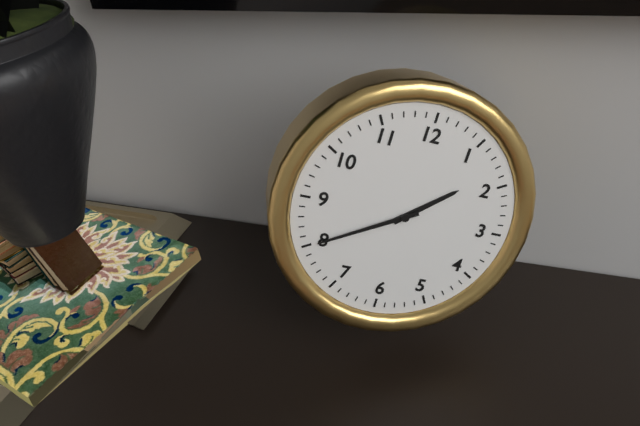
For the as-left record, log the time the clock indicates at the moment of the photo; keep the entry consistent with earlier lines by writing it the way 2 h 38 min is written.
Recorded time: 1 h 40 min
